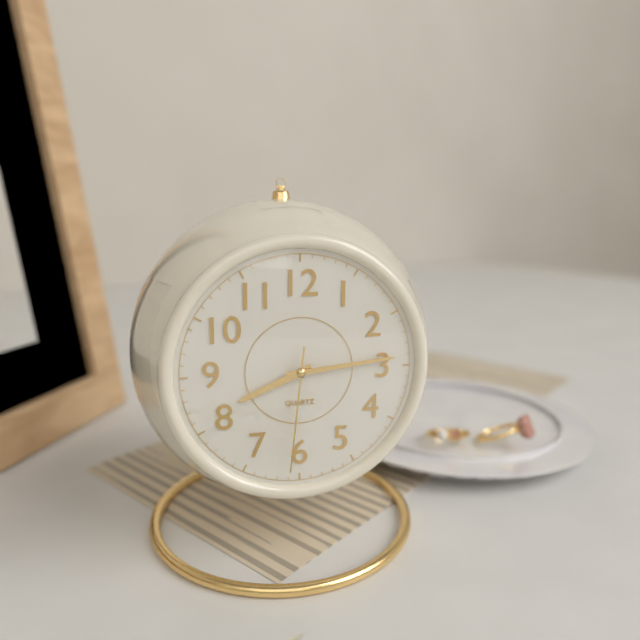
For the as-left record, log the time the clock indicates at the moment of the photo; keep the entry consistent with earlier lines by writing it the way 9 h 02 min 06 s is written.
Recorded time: 8 h 14 min 31 s
